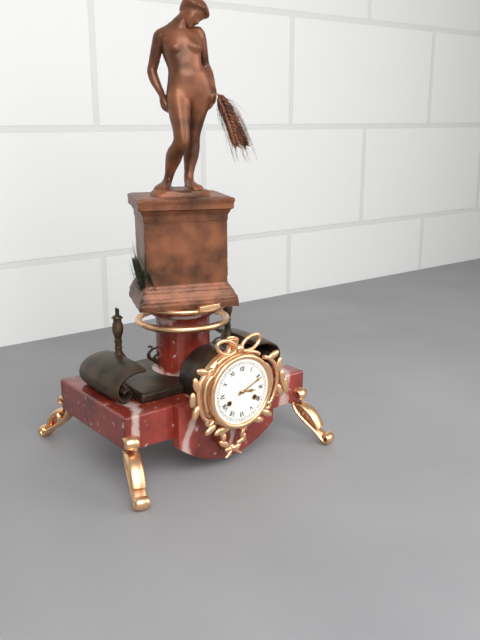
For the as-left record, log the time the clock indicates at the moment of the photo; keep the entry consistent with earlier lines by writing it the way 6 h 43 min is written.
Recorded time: 3 h 11 min
